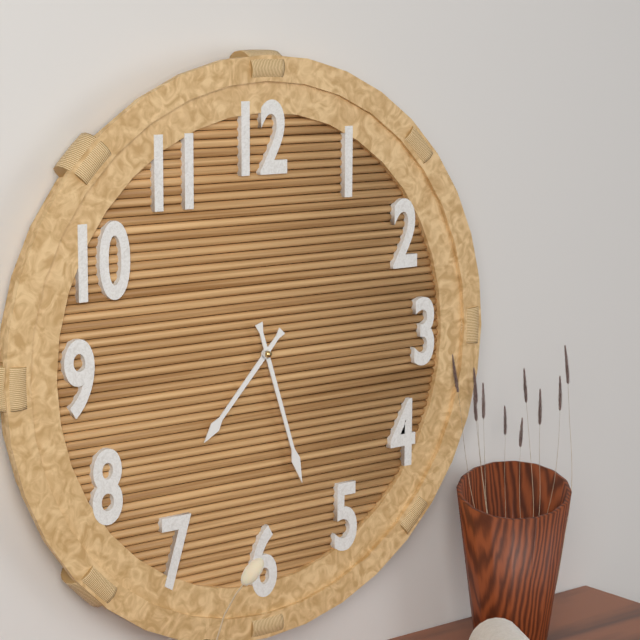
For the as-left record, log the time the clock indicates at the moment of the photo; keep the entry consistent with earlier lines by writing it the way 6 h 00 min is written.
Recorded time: 7 h 27 min
